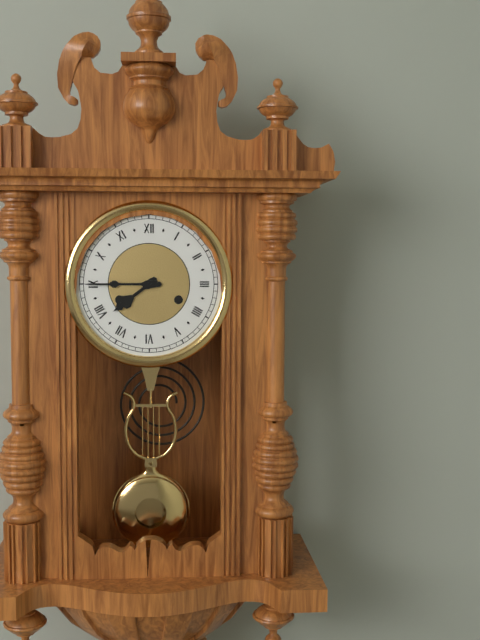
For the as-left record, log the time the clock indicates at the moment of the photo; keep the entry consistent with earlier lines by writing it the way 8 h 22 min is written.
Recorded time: 7 h 45 min
